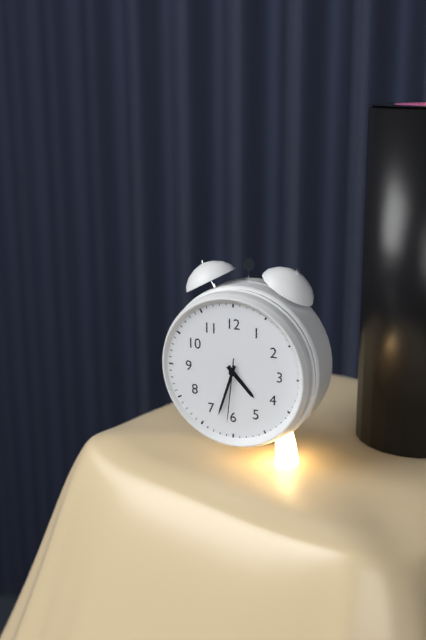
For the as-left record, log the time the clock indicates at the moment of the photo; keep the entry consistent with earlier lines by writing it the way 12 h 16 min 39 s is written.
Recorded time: 4 h 33 min 31 s
